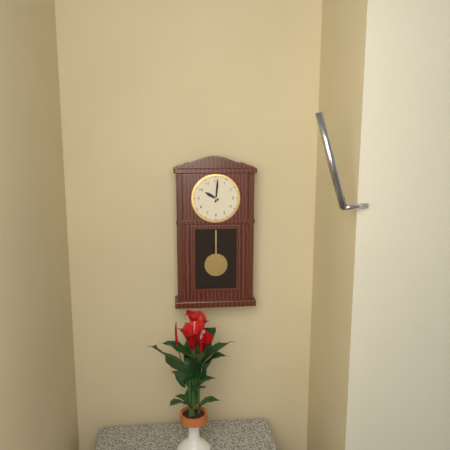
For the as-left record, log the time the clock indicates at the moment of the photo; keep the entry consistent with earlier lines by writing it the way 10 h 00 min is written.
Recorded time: 10 h 01 min
